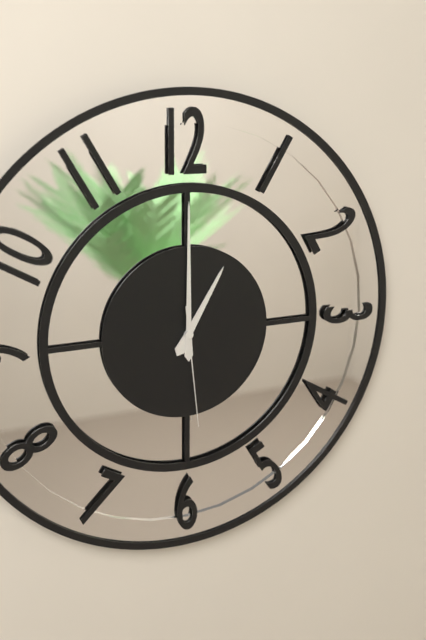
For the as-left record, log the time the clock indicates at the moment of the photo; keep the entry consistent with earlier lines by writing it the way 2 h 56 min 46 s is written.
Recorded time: 1 h 00 min 29 s
